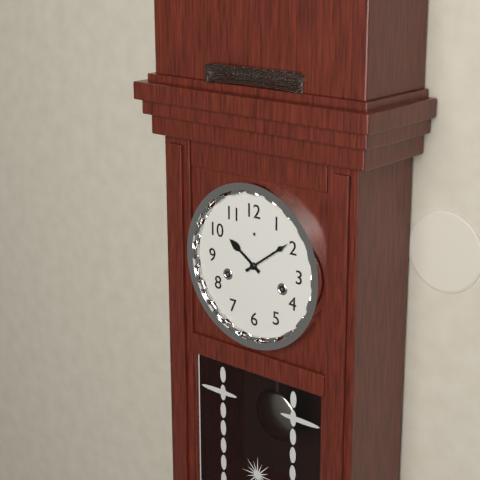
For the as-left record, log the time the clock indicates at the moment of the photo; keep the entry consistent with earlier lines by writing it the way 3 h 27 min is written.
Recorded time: 10 h 09 min
